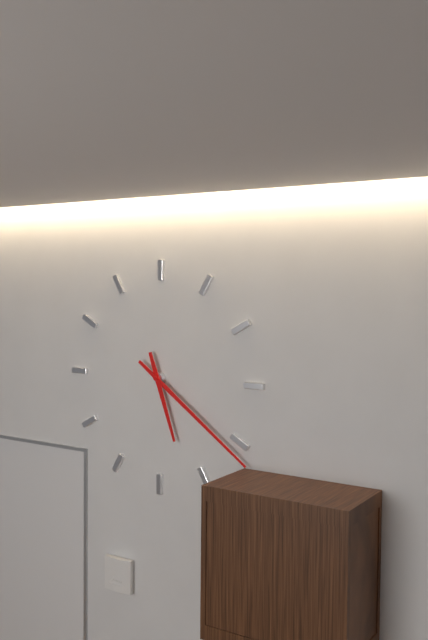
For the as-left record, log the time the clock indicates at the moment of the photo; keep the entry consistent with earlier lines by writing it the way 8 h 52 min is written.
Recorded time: 5 h 21 min
